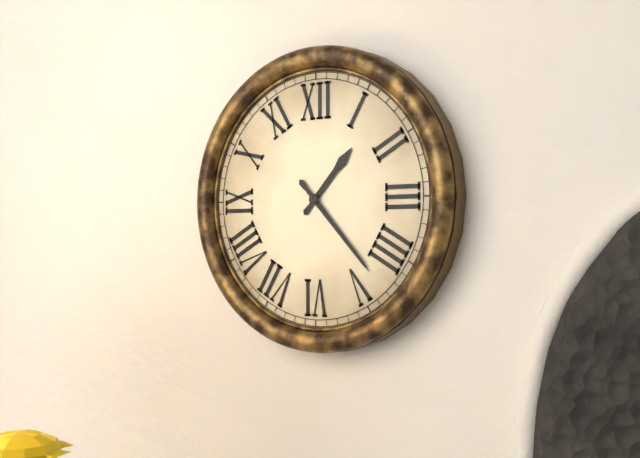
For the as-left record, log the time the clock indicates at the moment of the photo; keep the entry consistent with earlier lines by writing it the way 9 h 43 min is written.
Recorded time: 1 h 23 min
